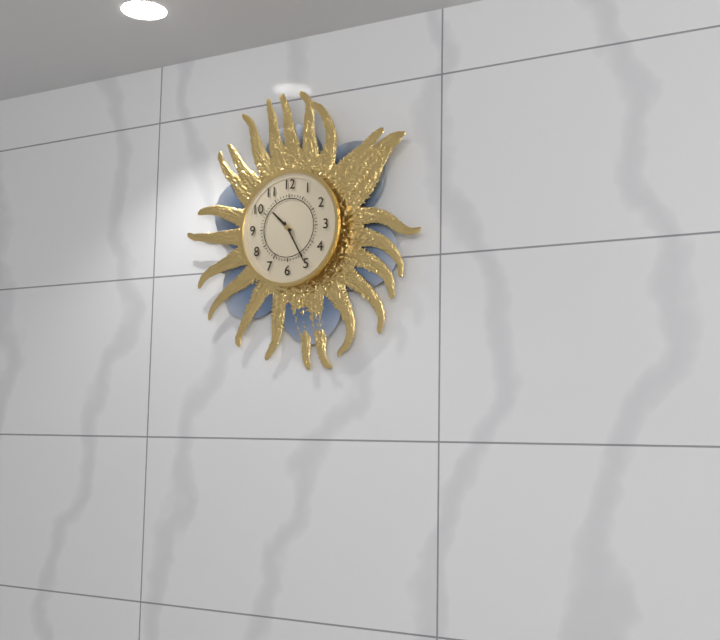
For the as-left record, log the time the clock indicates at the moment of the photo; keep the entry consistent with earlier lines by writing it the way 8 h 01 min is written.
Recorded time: 10 h 25 min
